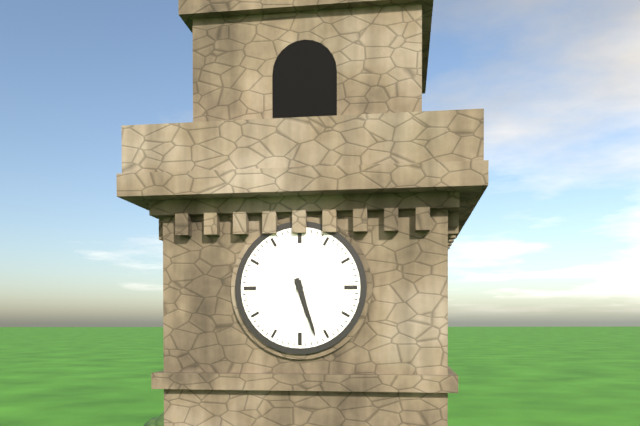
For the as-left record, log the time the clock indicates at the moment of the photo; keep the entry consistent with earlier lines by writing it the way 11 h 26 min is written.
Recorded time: 5 h 27 min
